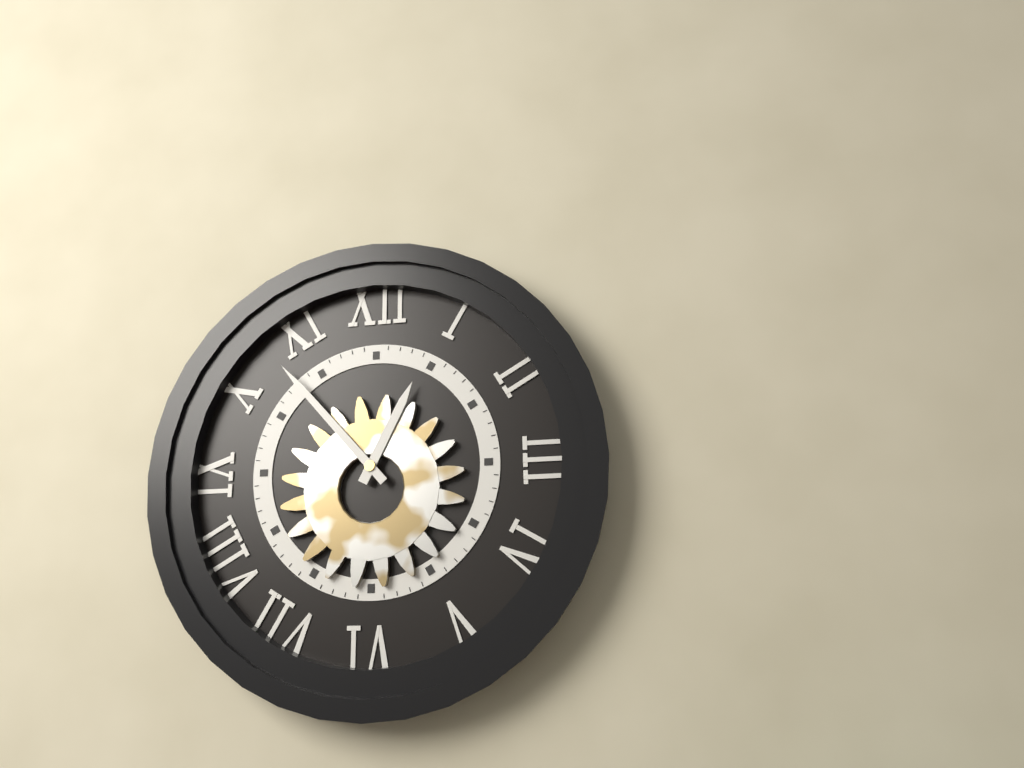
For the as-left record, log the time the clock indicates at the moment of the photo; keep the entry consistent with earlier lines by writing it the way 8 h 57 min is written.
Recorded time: 12 h 53 min
